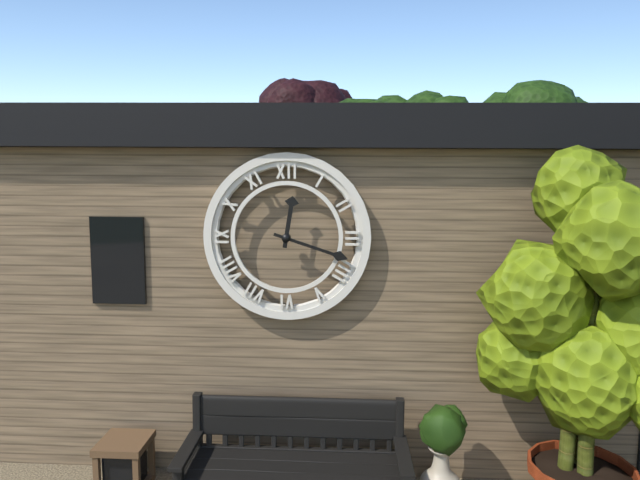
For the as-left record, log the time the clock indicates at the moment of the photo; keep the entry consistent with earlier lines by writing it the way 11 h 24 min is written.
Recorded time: 12 h 18 min
